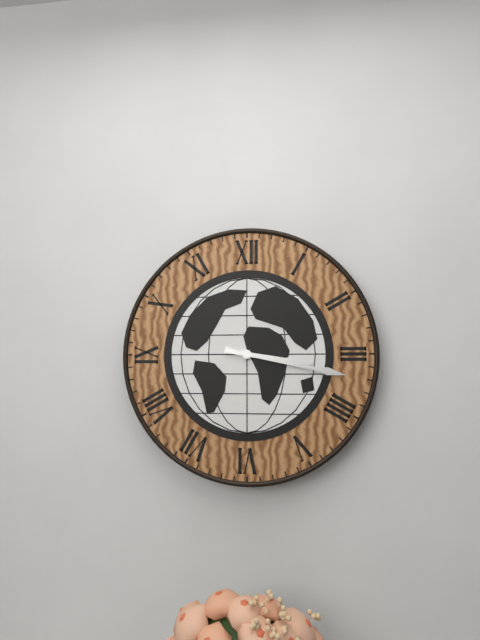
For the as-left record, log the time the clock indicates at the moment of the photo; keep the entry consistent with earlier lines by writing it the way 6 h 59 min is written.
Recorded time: 3 h 17 min
